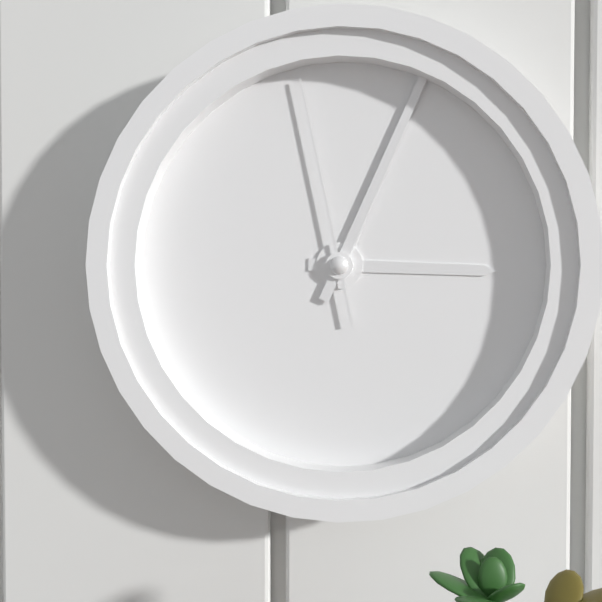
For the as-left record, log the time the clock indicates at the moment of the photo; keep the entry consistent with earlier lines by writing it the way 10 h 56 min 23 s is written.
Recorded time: 3 h 04 min 58 s
